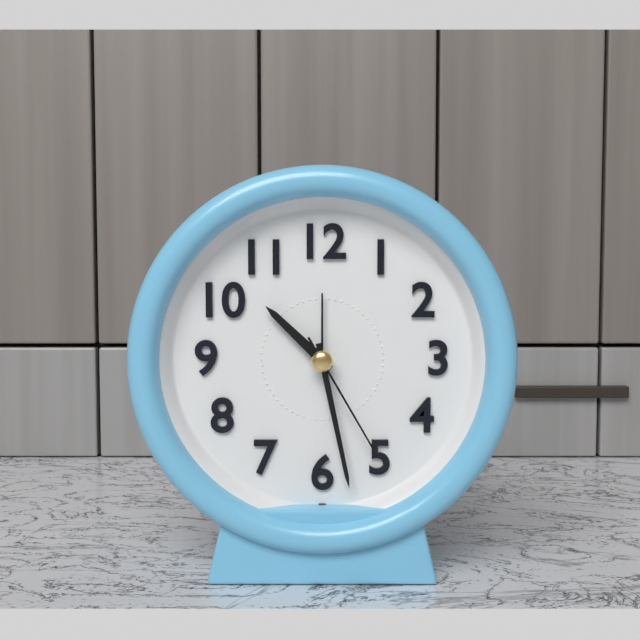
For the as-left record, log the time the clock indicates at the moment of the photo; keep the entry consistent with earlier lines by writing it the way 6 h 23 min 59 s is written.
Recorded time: 10 h 28 min 25 s
